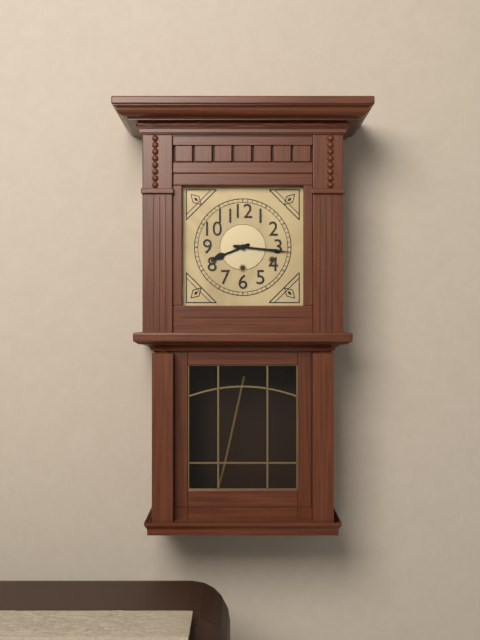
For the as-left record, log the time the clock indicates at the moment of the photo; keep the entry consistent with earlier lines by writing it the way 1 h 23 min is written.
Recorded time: 8 h 16 min
